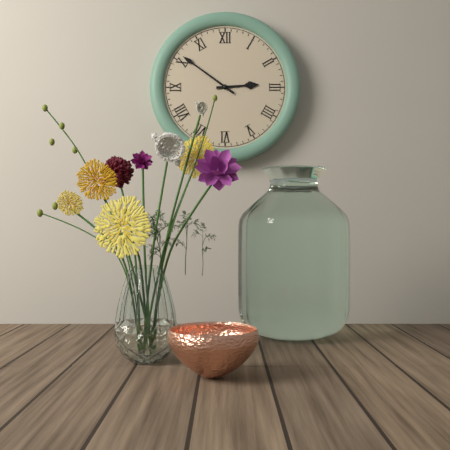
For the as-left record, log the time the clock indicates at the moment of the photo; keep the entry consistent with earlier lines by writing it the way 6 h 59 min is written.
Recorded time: 2 h 51 min
